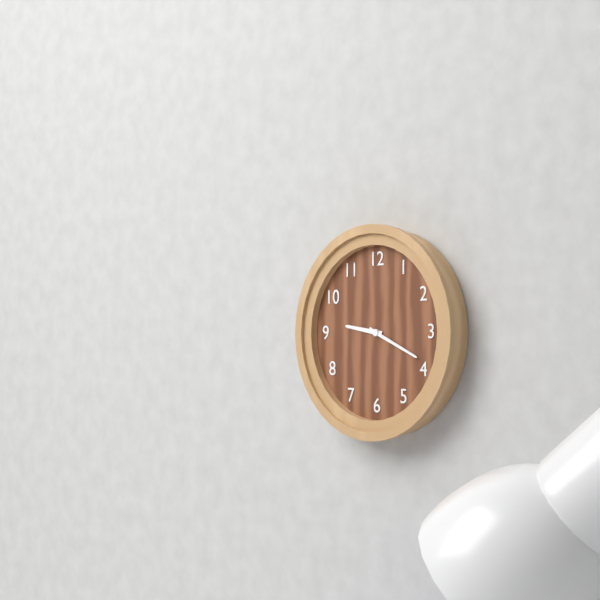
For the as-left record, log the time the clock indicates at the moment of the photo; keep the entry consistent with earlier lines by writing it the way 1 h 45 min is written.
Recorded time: 9 h 19 min
